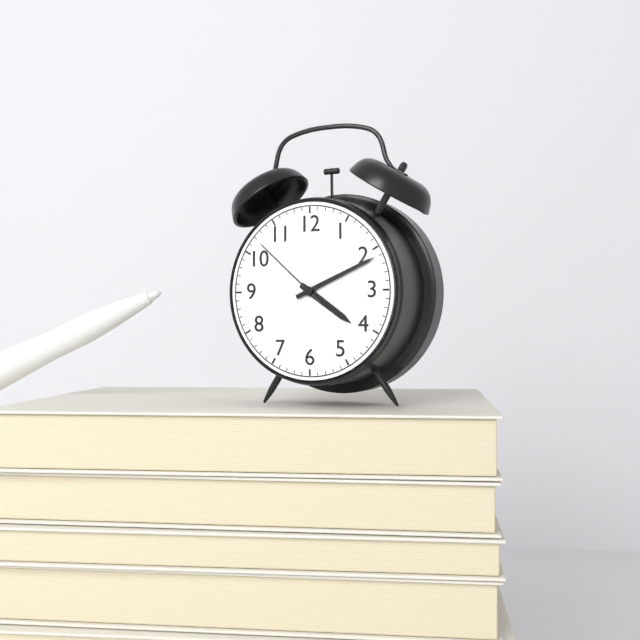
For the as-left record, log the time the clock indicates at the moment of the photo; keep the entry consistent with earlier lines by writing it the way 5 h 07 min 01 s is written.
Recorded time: 4 h 11 min 52 s
